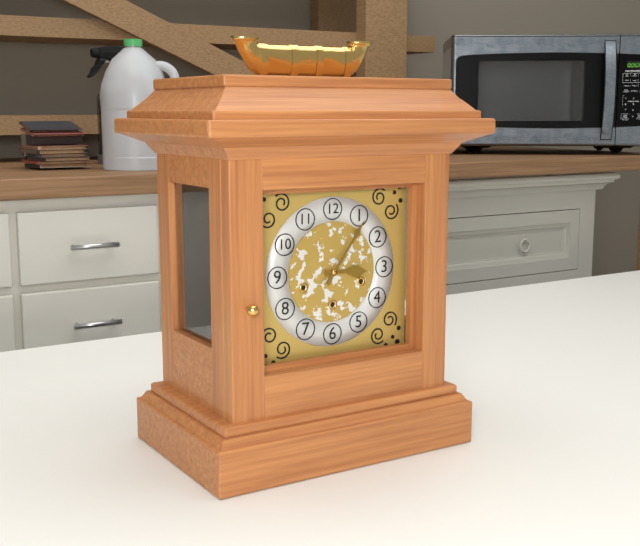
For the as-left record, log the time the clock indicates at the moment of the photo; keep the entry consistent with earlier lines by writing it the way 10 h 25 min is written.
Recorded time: 3 h 06 min
